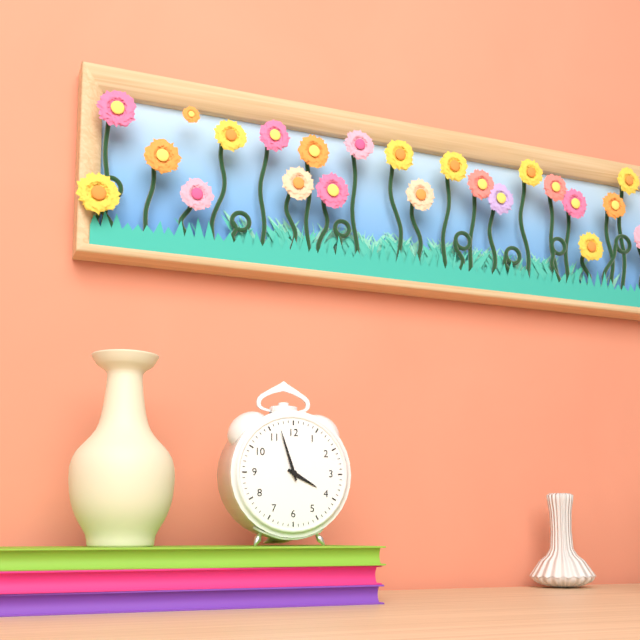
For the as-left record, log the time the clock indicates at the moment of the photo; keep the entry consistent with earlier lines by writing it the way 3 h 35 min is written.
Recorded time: 3 h 57 min
